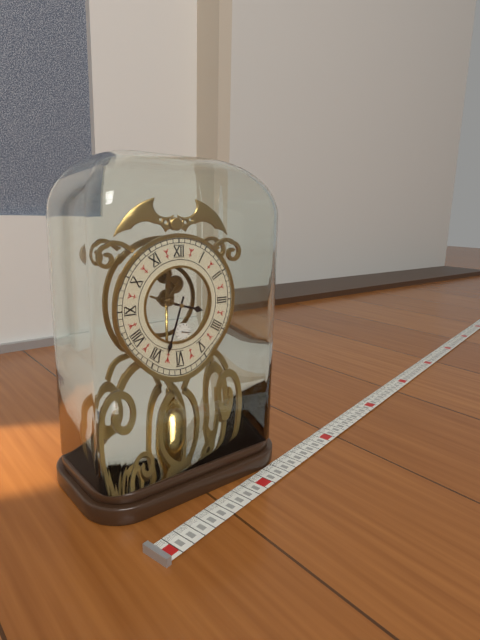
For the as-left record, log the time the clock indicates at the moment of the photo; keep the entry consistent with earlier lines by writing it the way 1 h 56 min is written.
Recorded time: 3 h 33 min
